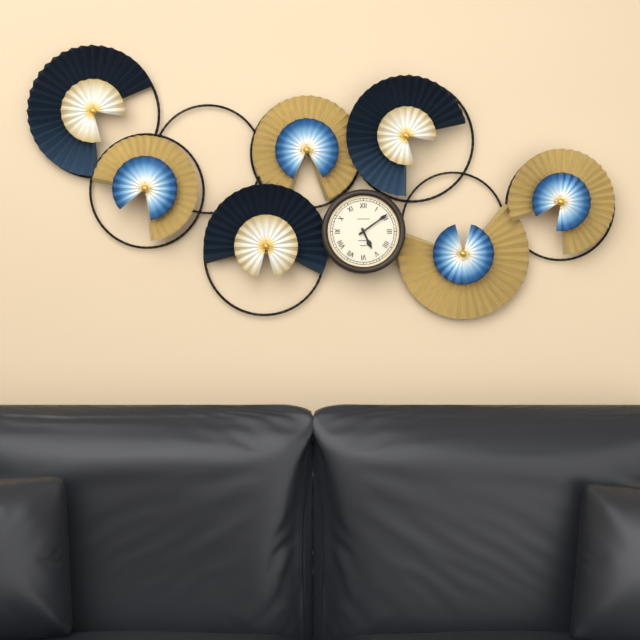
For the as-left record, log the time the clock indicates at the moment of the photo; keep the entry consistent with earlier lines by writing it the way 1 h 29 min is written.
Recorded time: 5 h 09 min
